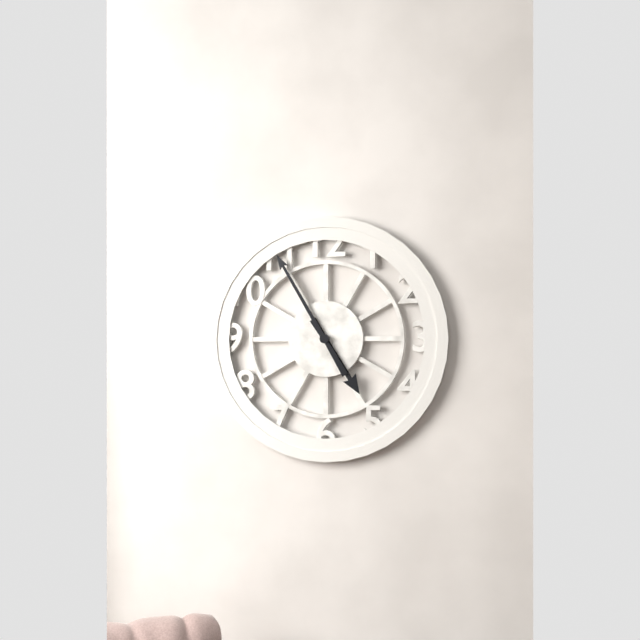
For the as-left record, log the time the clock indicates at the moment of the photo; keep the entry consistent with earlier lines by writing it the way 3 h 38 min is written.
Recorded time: 4 h 55 min
